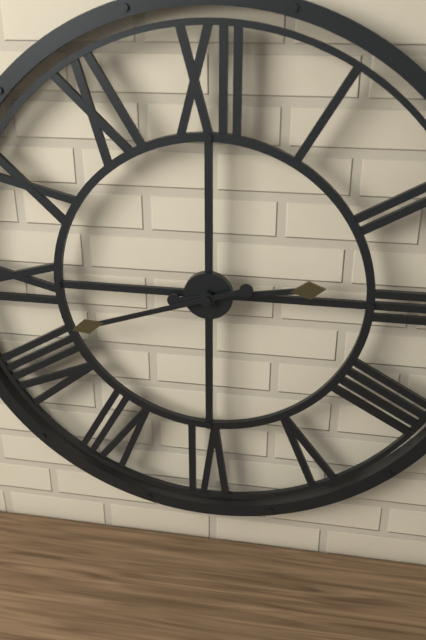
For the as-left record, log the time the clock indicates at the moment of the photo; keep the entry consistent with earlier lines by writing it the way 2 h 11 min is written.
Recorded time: 2 h 42 min
